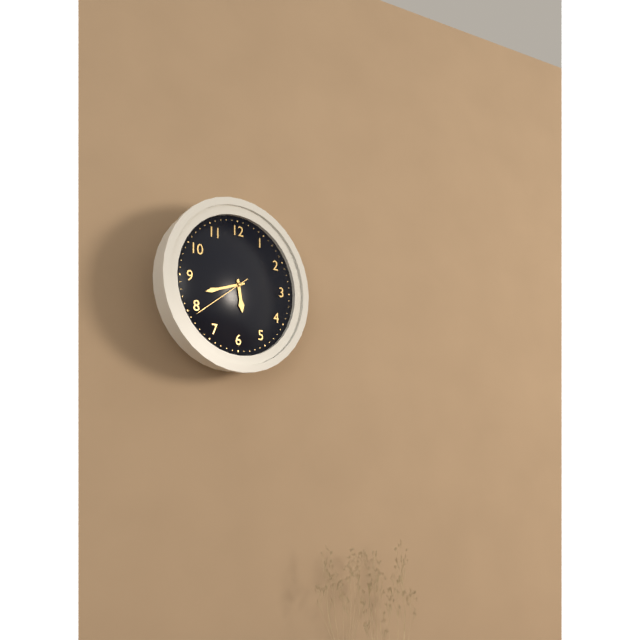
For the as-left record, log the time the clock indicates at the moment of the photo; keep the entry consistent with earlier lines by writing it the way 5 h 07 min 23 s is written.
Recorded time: 5 h 42 min 39 s
